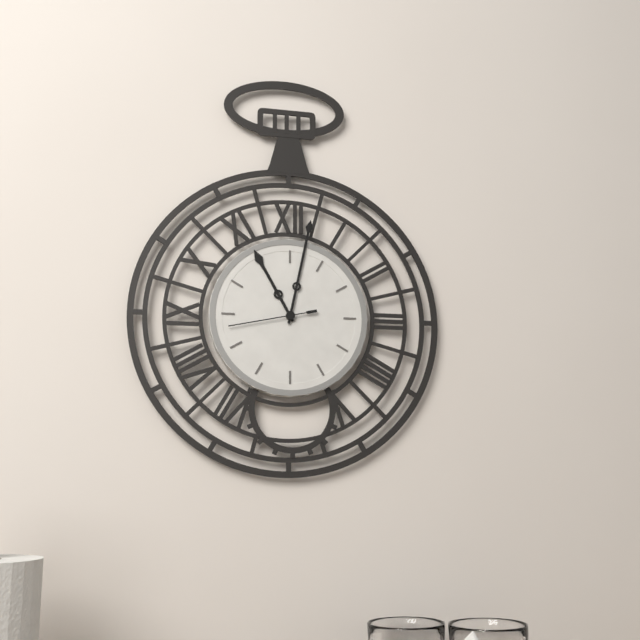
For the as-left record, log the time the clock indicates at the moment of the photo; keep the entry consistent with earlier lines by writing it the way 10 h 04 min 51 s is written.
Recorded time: 11 h 02 min 43 s
